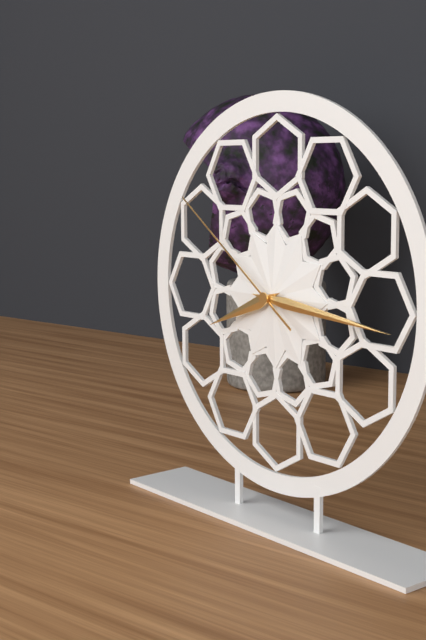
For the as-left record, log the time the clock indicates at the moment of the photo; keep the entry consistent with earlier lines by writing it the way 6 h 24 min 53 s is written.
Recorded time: 8 h 16 min 51 s
